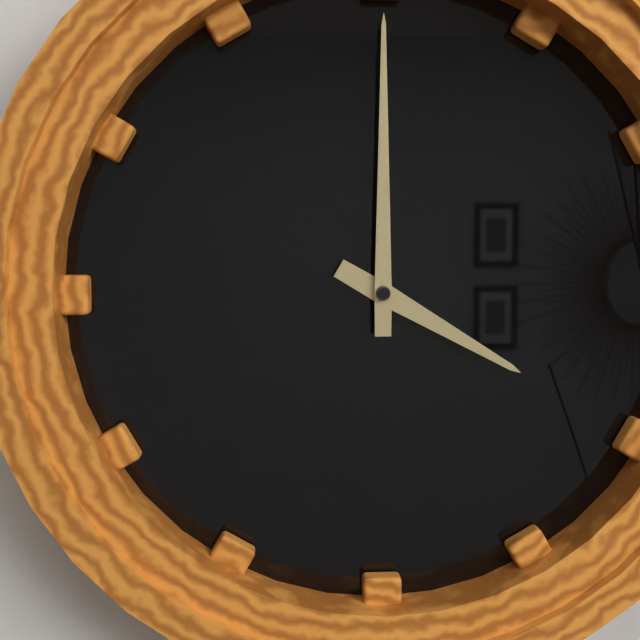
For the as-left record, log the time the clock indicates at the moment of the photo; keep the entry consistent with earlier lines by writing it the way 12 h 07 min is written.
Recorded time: 4 h 00 min
